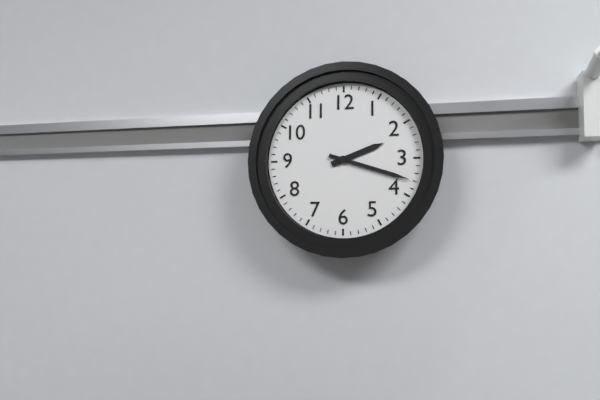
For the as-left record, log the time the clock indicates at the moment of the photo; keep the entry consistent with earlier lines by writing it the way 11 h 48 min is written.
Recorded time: 2 h 18 min
